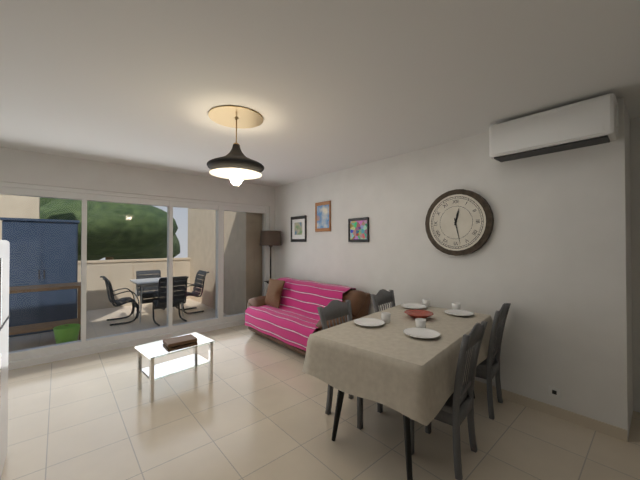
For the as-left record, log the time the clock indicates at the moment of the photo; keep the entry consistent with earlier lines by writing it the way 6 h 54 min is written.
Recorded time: 12 h 28 min
